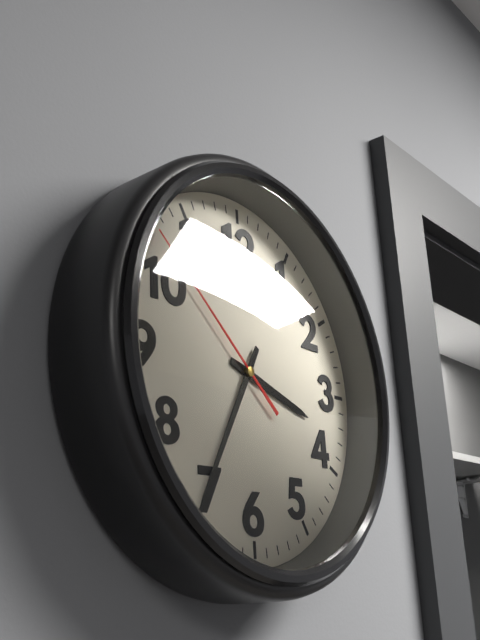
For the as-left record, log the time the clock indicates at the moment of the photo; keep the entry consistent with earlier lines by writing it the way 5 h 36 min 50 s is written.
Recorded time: 3 h 35 min 52 s
